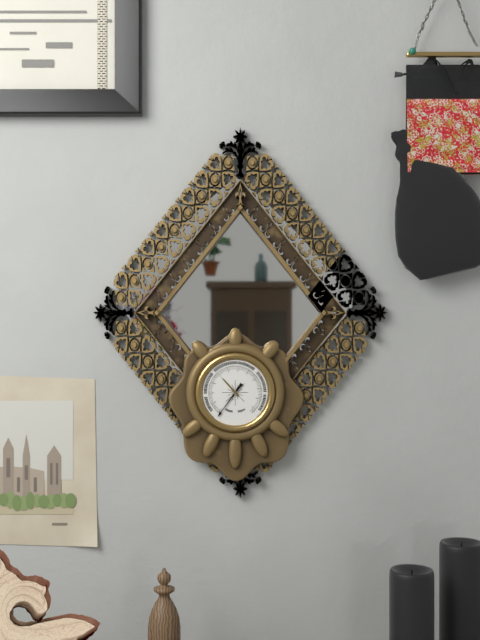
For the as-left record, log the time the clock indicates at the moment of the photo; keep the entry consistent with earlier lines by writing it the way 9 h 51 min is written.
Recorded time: 10 h 36 min
